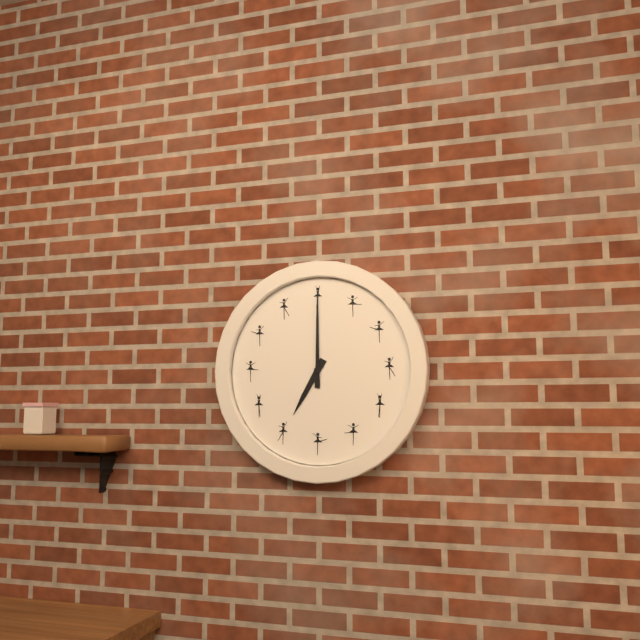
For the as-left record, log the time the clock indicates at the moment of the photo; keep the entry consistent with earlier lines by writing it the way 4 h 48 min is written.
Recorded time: 7 h 00 min
